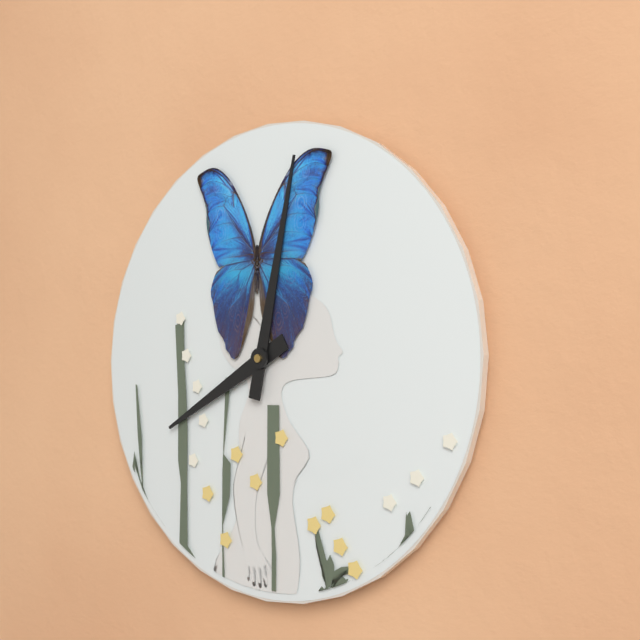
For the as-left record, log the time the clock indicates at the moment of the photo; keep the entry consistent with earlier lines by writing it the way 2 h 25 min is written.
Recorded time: 8 h 02 min
